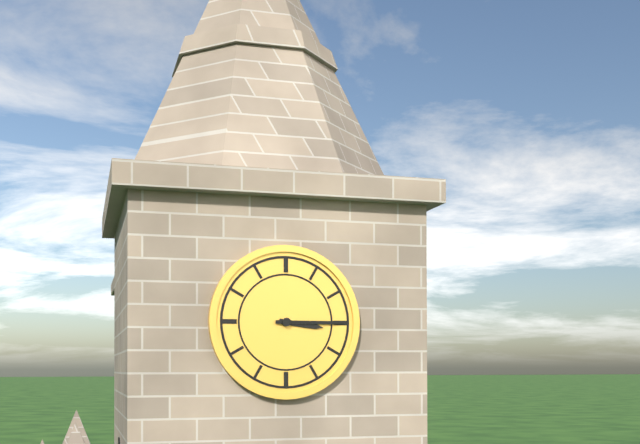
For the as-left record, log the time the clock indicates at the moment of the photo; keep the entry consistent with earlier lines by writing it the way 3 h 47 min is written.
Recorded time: 3 h 15 min
